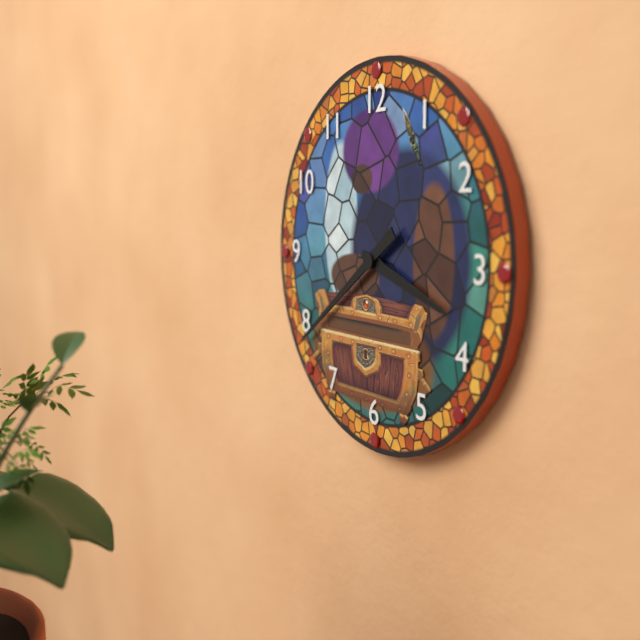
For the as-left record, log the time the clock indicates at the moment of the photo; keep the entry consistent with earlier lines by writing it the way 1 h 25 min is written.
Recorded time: 3 h 39 min
